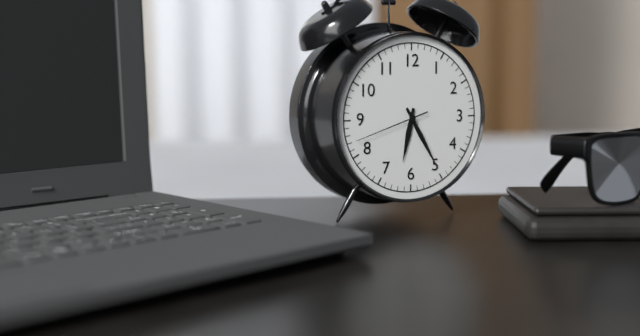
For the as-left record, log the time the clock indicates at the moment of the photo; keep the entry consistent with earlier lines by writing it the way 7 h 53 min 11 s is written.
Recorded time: 6 h 25 min 42 s
